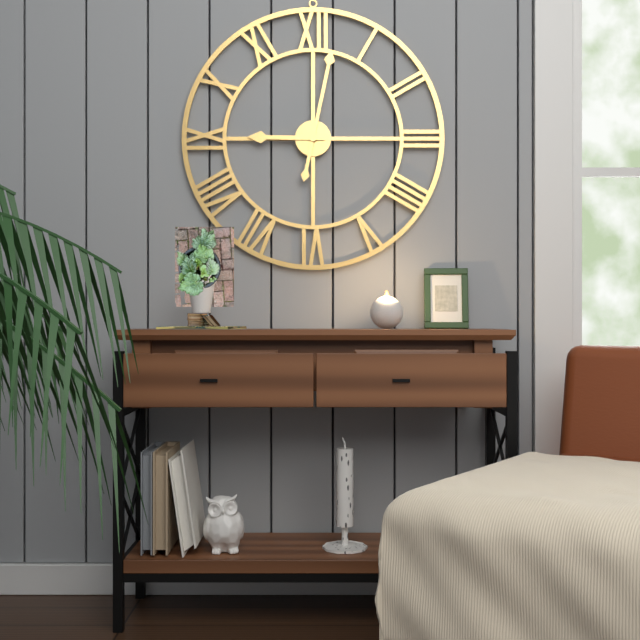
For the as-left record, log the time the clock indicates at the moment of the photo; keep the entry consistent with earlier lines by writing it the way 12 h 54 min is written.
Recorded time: 9 h 02 min
